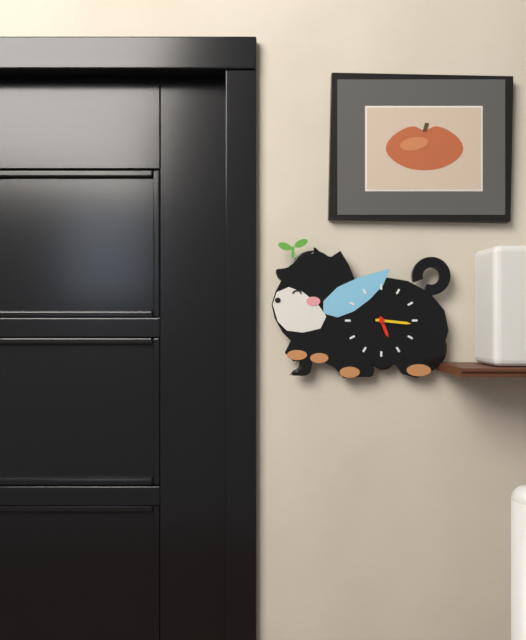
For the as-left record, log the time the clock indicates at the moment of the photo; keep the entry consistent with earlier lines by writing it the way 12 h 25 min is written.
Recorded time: 5 h 16 min
